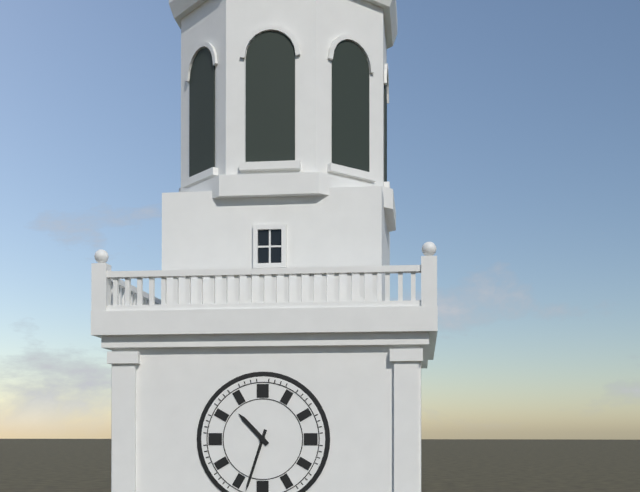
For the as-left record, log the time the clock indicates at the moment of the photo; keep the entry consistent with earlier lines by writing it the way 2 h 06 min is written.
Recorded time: 10 h 33 min
